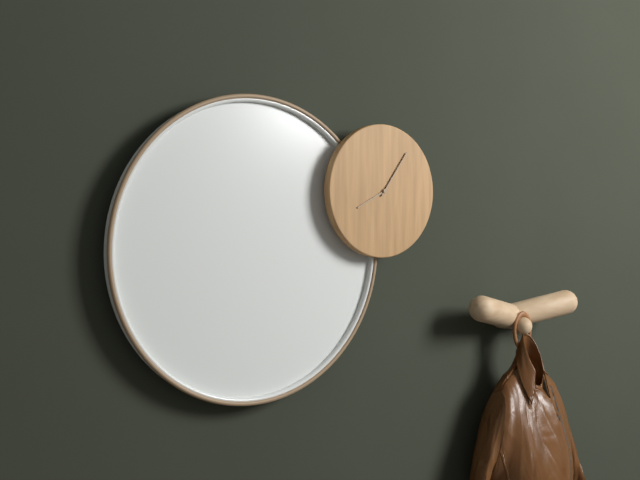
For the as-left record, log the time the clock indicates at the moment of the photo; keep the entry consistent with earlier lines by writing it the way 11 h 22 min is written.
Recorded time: 8 h 06 min
